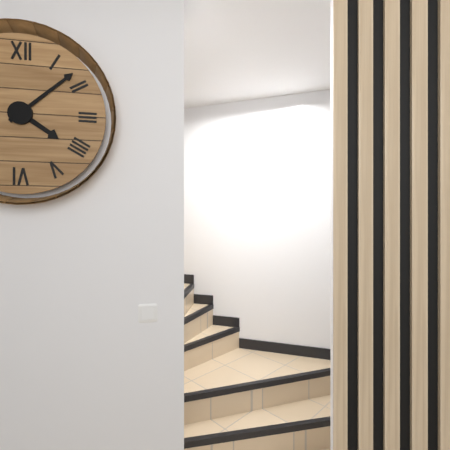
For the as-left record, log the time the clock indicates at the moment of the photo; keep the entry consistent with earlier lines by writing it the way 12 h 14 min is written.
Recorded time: 4 h 08 min
